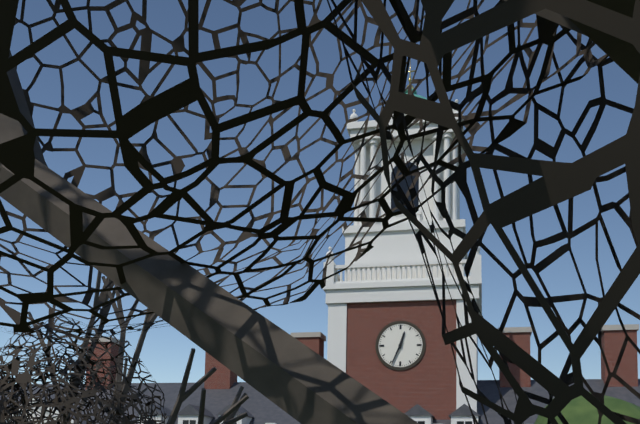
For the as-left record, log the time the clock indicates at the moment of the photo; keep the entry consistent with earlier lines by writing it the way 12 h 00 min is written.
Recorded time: 12 h 34 min
